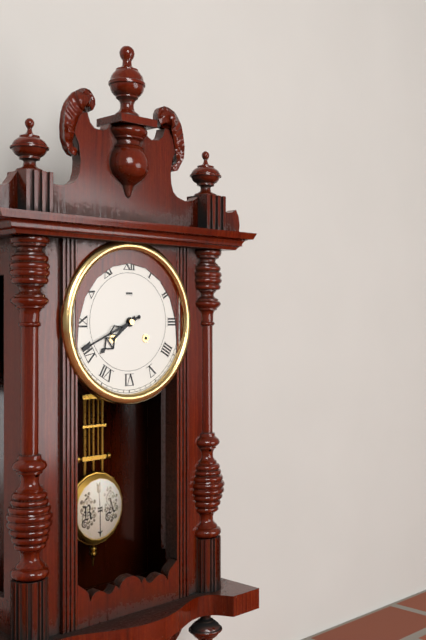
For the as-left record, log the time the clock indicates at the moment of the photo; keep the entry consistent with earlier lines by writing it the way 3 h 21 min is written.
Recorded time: 7 h 41 min
